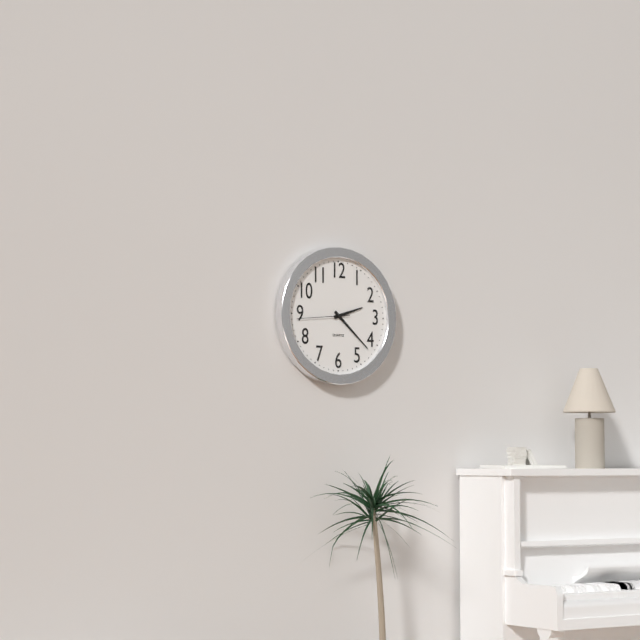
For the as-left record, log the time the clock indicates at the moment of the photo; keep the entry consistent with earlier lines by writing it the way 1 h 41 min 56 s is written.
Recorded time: 2 h 22 min 44 s
